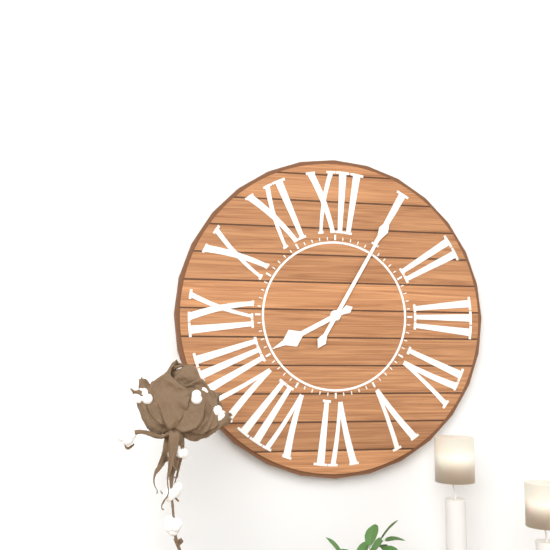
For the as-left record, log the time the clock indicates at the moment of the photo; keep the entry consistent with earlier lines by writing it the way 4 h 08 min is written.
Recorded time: 8 h 05 min
